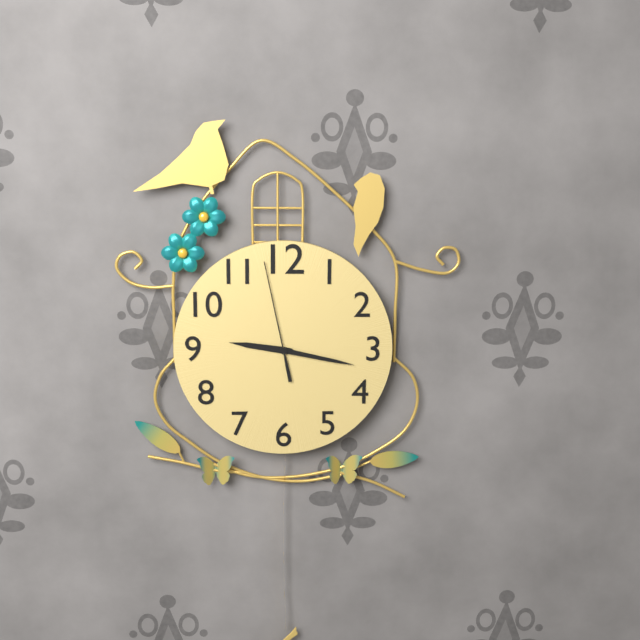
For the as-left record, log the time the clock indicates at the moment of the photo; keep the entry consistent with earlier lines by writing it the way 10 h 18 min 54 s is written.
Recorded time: 9 h 17 min 58 s
